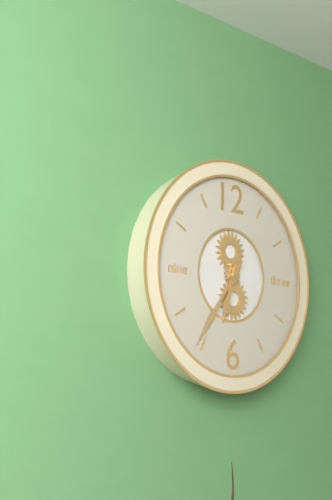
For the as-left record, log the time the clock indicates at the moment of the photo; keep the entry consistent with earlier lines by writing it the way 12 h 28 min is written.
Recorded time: 6 h 36 min
